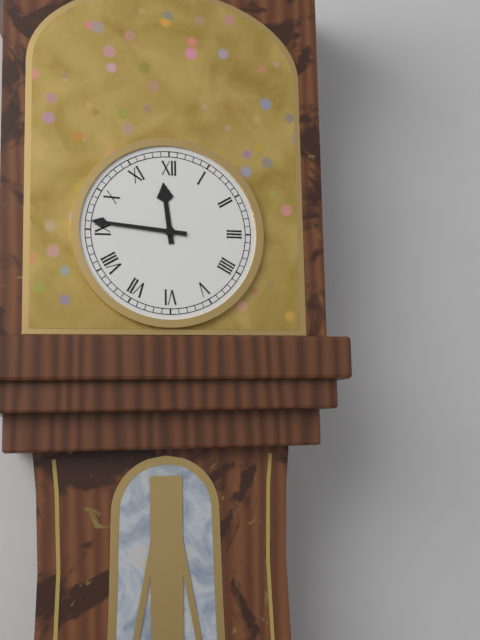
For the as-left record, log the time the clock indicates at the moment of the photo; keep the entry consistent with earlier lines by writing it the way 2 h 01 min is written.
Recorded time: 11 h 46 min
